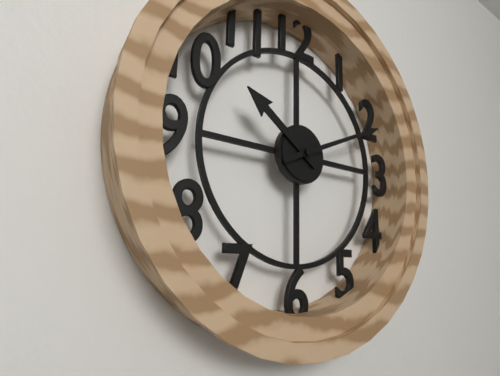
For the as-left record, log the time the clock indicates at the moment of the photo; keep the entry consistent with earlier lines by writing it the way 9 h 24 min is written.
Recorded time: 10 h 11 min
